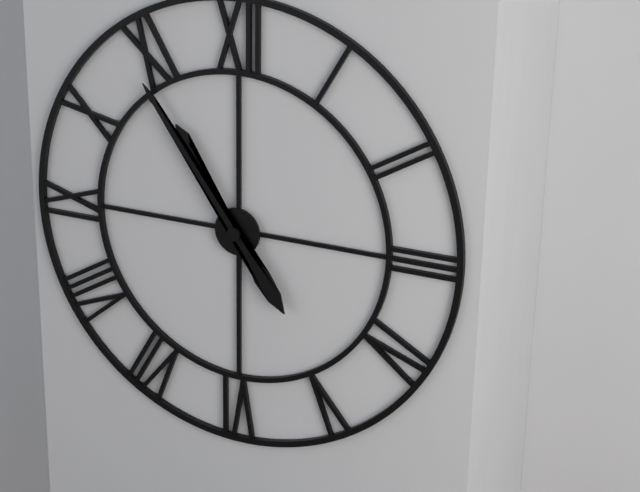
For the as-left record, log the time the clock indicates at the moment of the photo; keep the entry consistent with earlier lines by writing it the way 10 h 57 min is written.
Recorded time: 10 h 54 min
